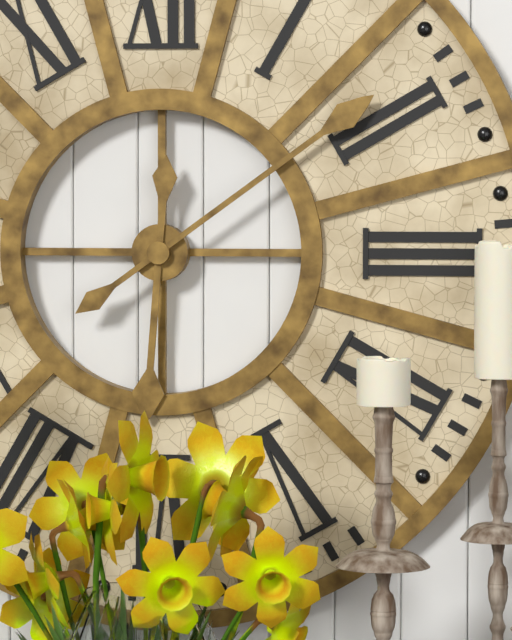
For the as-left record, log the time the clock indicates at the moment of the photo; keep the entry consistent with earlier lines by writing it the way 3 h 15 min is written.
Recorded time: 6 h 09 min
